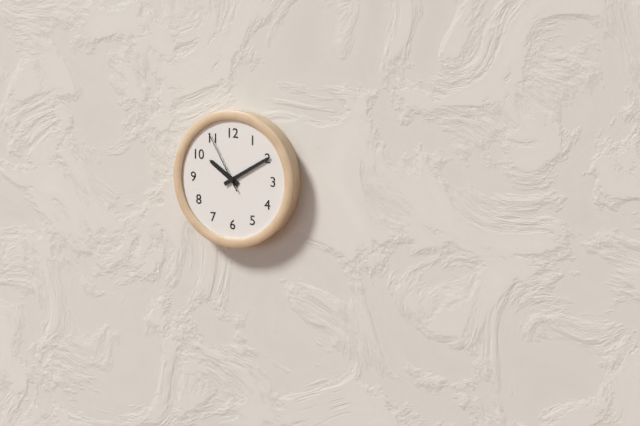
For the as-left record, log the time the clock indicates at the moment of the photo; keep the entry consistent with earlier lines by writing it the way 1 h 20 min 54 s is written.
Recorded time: 10 h 10 min 55 s
